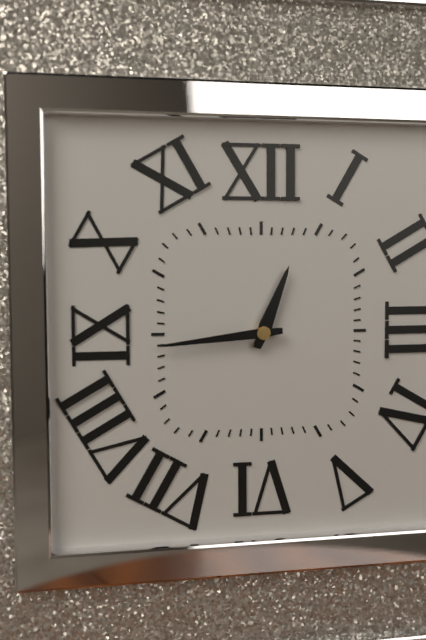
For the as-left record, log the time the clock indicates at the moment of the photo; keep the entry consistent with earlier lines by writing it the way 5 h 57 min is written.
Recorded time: 12 h 44 min
